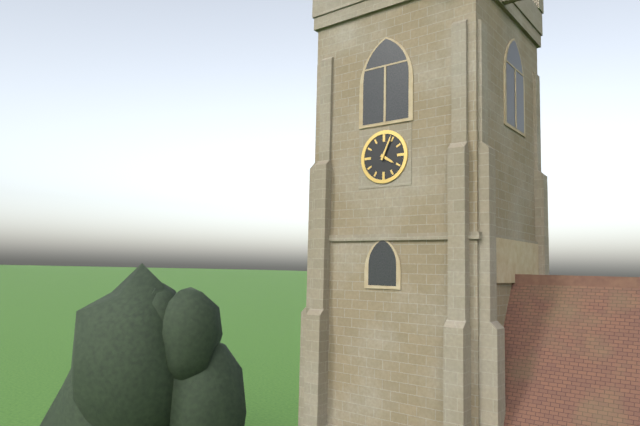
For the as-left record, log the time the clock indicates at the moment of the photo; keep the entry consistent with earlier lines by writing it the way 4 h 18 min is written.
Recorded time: 4 h 04 min
